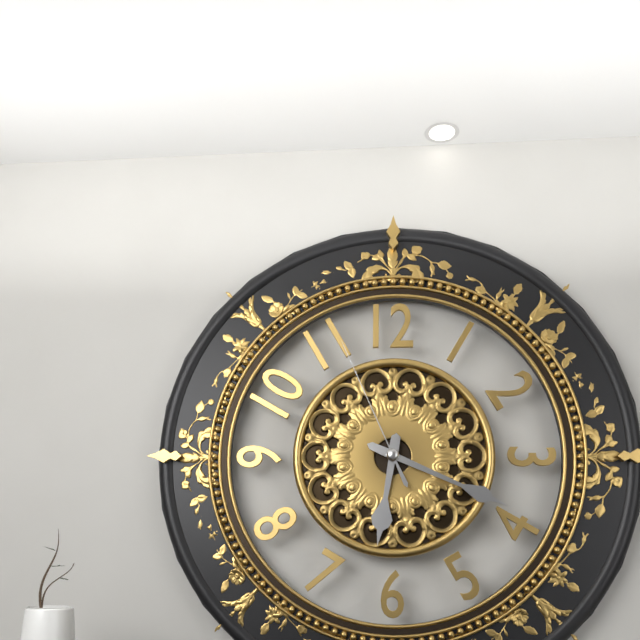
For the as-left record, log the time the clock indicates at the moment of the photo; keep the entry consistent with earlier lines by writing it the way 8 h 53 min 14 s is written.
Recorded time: 6 h 19 min 56 s
